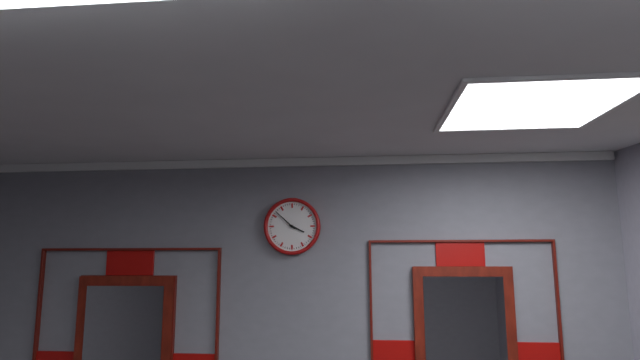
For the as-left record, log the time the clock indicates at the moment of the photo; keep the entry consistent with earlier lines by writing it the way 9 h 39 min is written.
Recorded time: 3 h 52 min
